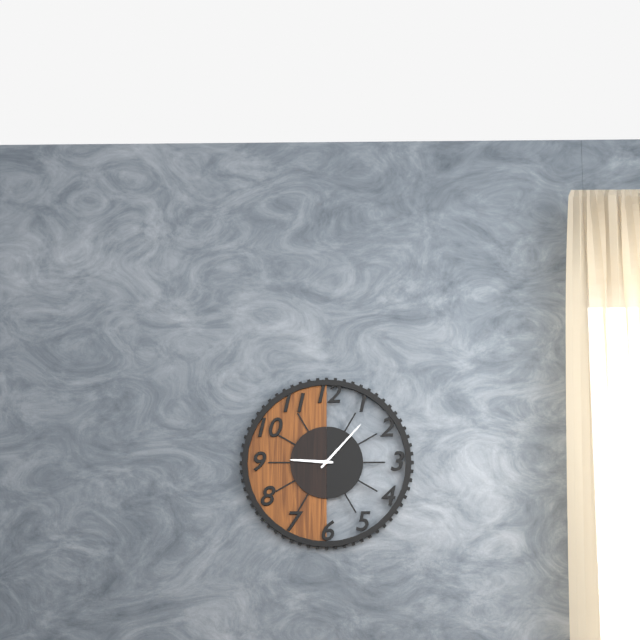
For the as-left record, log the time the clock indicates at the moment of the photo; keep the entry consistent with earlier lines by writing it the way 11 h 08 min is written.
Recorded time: 9 h 07 min
